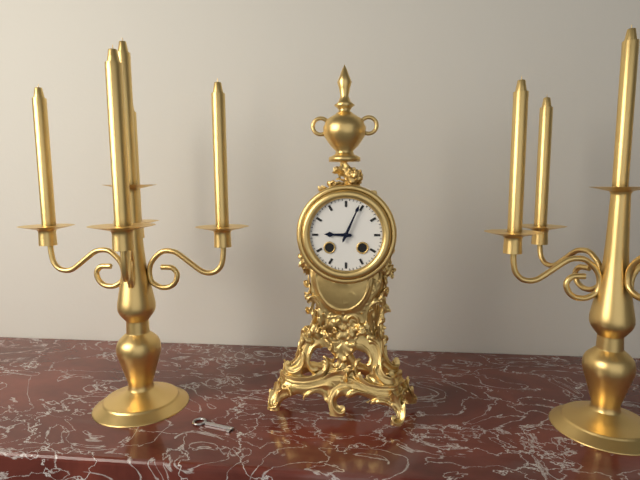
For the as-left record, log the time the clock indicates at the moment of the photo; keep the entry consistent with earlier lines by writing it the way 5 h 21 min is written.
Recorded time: 9 h 04 min
